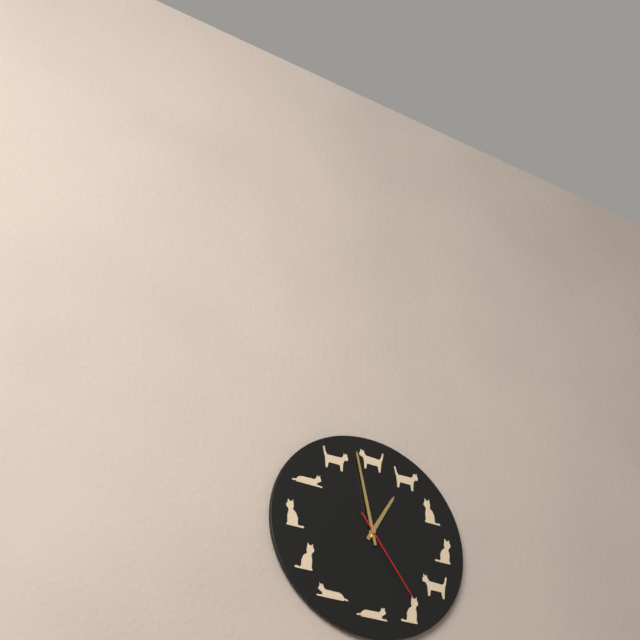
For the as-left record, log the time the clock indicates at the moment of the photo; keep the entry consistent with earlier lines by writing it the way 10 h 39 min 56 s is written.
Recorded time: 12 h 58 min 24 s
